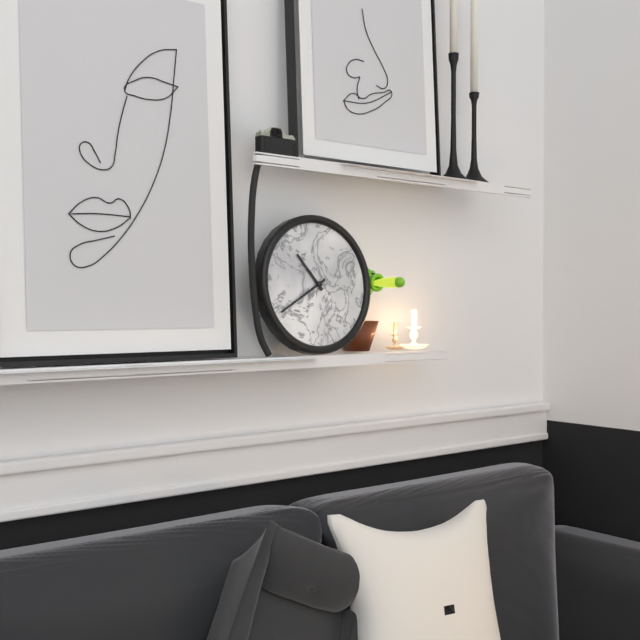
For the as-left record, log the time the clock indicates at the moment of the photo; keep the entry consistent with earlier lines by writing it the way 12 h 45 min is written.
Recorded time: 10 h 40 min
